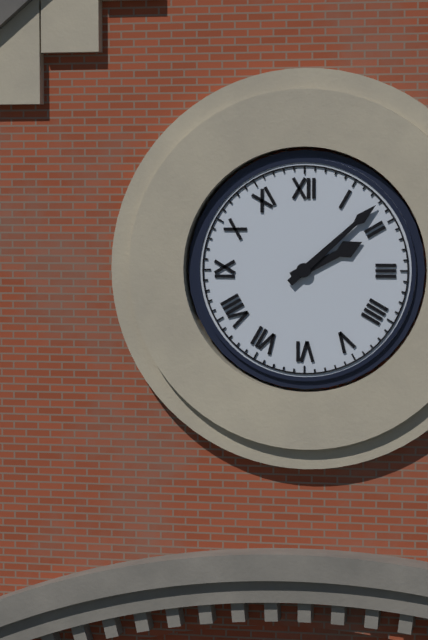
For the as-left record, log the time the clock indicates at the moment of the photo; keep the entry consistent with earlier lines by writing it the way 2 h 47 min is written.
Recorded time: 2 h 08 min
